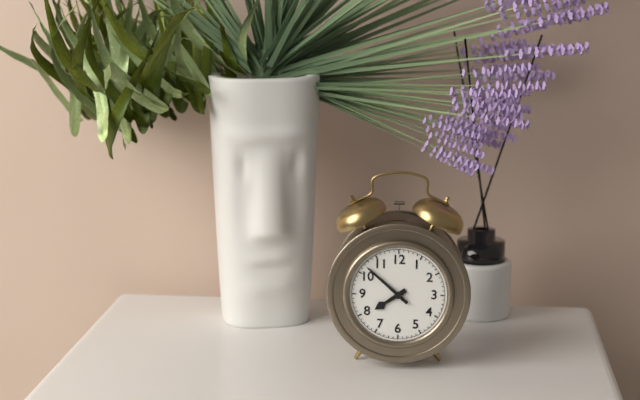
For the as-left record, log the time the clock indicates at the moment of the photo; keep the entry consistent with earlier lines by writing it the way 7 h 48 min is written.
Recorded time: 7 h 52 min
